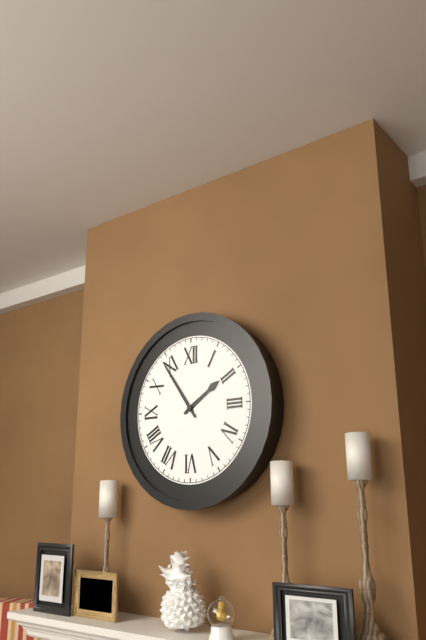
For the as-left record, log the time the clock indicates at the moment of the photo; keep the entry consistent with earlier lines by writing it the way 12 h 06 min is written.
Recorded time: 1 h 54 min
